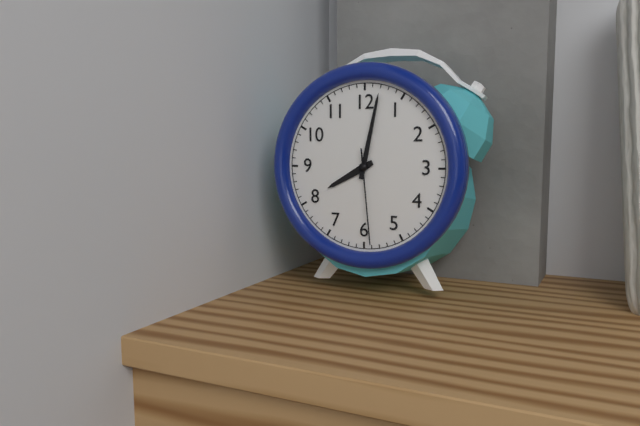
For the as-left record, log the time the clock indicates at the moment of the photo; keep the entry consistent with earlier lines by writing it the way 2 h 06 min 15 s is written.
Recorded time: 8 h 02 min 29 s
